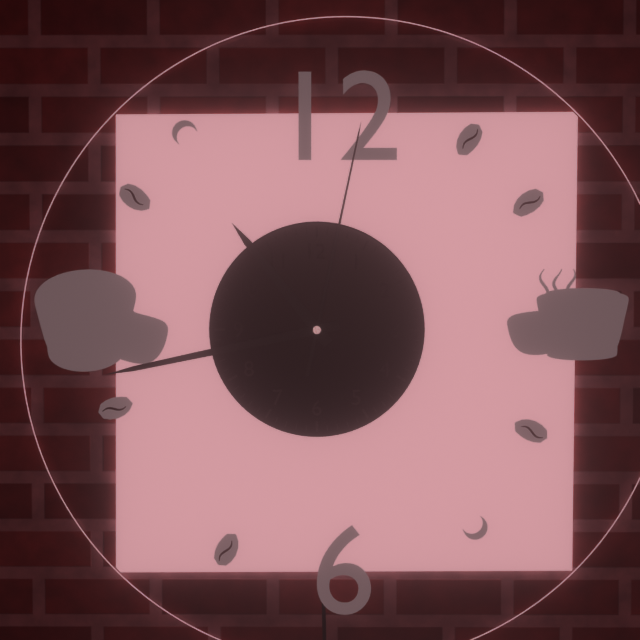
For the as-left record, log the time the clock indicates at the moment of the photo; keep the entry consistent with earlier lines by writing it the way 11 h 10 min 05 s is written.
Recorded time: 10 h 43 min 02 s
